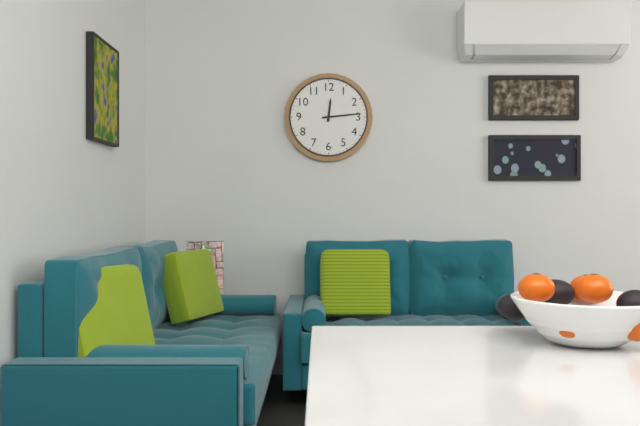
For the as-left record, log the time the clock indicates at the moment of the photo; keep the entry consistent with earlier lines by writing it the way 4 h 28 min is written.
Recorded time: 12 h 14 min
